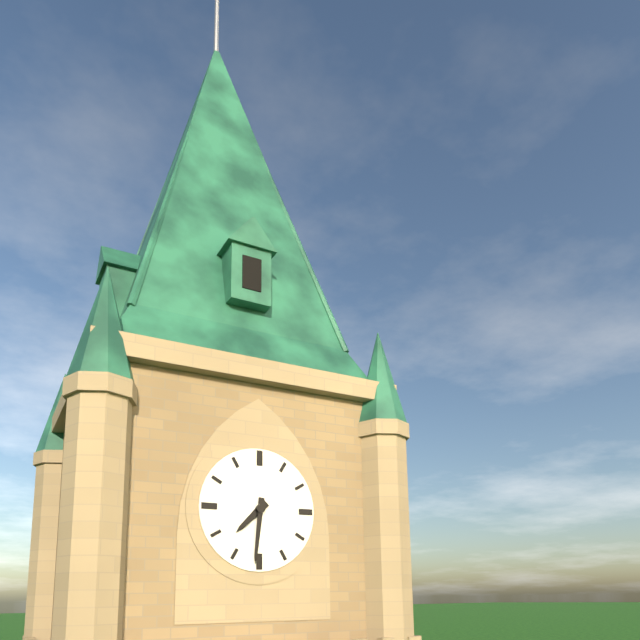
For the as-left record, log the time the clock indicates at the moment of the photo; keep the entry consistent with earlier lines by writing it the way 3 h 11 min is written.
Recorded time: 7 h 31 min
